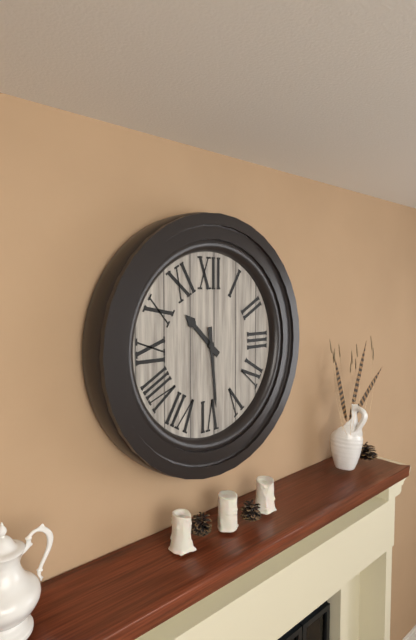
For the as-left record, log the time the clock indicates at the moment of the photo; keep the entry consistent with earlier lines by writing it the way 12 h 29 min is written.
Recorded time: 10 h 29 min
